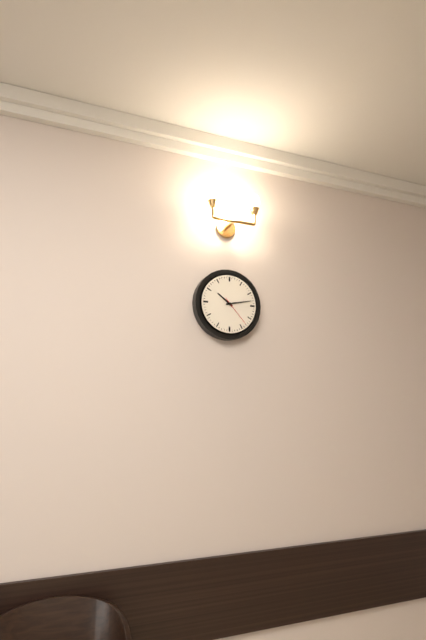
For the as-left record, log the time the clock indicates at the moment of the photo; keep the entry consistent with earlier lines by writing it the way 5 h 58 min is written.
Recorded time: 10 h 13 min
